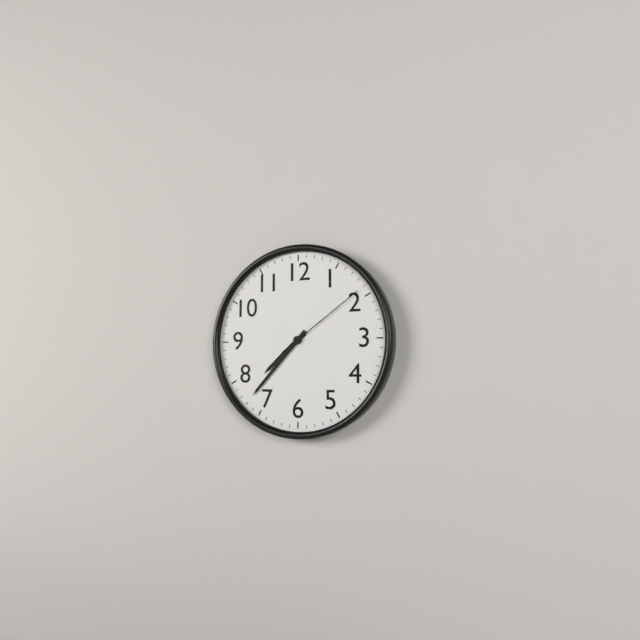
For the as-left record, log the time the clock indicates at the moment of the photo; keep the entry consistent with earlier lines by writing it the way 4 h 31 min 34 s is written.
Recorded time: 7 h 37 min 09 s
